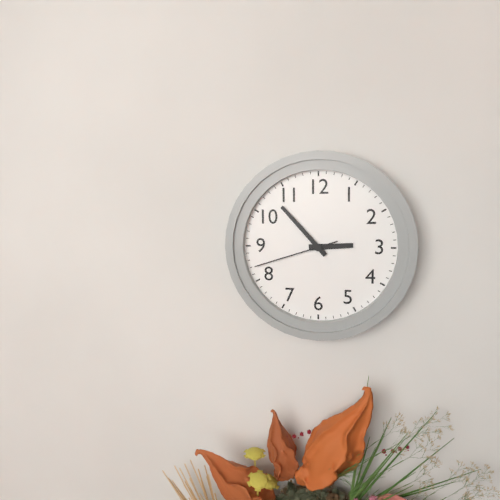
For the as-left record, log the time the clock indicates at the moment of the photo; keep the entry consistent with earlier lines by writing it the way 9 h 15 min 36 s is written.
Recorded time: 2 h 53 min 42 s
